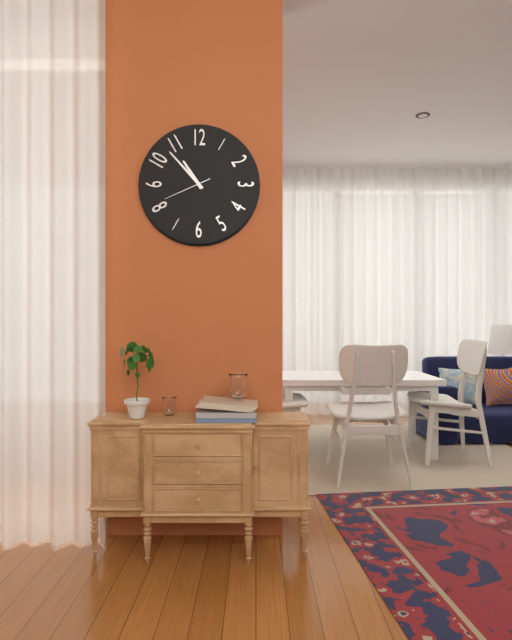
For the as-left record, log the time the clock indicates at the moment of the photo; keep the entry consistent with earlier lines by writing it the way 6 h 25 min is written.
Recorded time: 10 h 53 min
